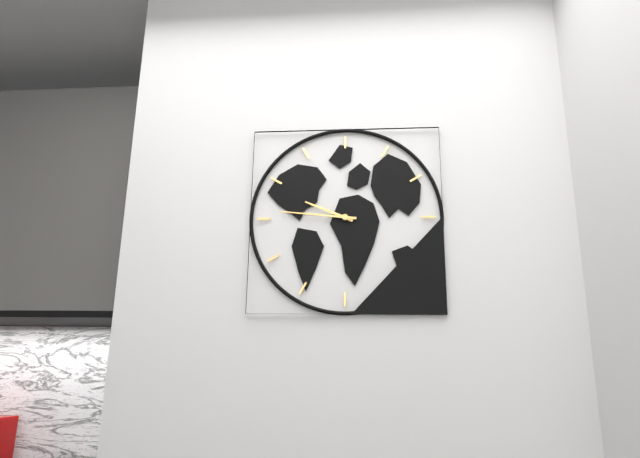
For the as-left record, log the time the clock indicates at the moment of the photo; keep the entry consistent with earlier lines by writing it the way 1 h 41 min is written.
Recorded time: 9 h 46 min
